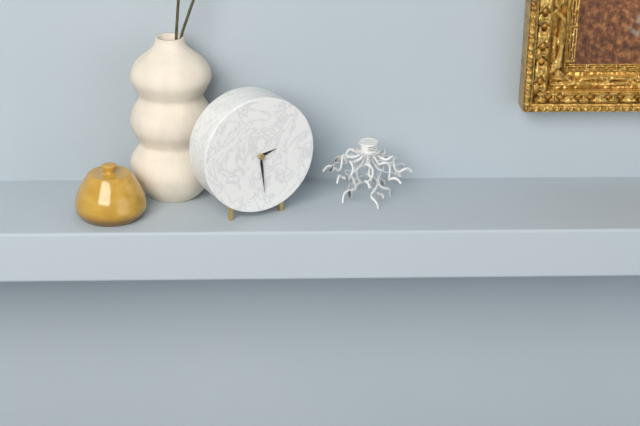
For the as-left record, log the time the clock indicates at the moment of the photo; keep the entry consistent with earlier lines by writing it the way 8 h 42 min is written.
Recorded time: 2 h 29 min
